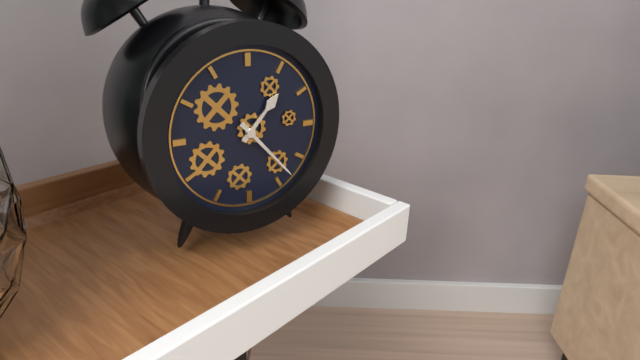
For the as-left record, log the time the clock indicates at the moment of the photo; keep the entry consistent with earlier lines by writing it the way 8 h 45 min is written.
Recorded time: 1 h 23 min
